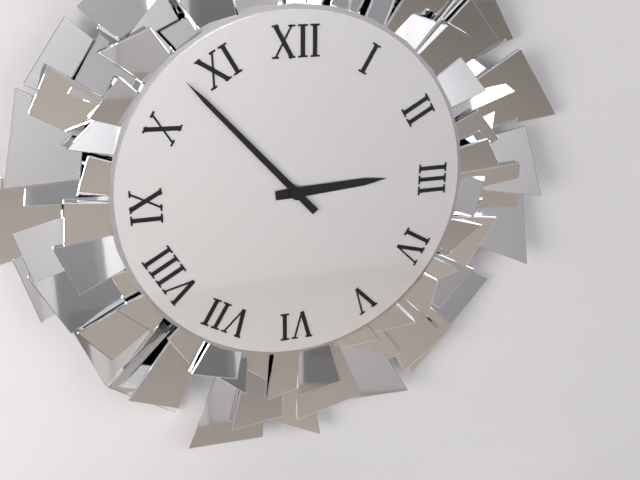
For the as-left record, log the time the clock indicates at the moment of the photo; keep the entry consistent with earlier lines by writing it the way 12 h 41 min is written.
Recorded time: 2 h 53 min
